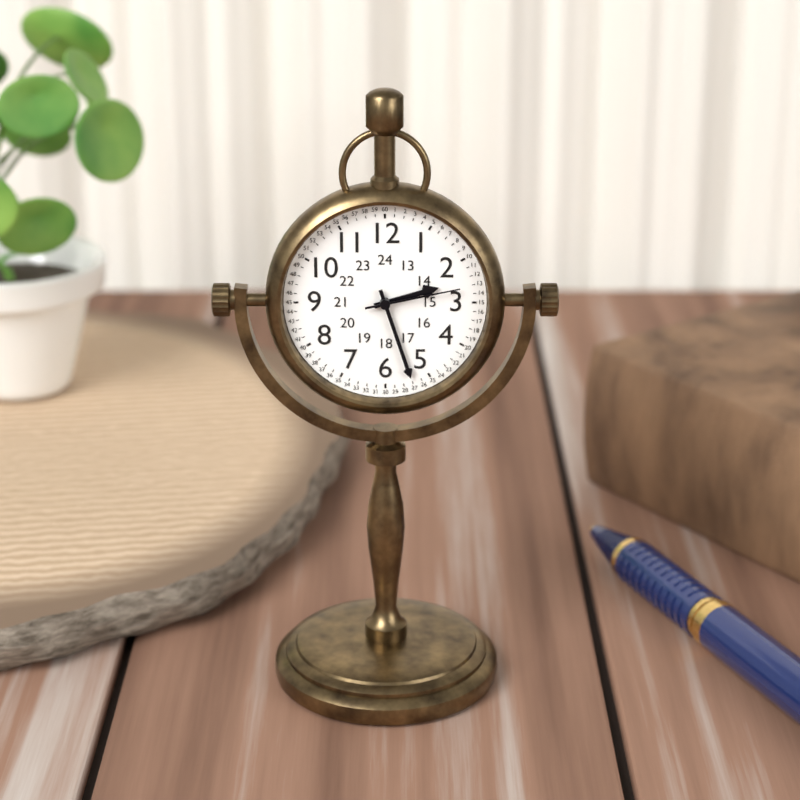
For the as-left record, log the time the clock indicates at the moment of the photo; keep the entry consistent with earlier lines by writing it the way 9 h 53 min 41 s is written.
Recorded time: 2 h 27 min 13 s
